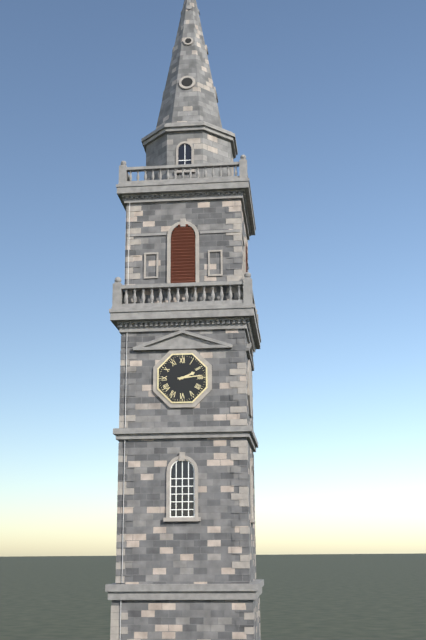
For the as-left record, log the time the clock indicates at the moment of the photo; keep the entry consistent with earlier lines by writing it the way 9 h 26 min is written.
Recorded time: 2 h 14 min
